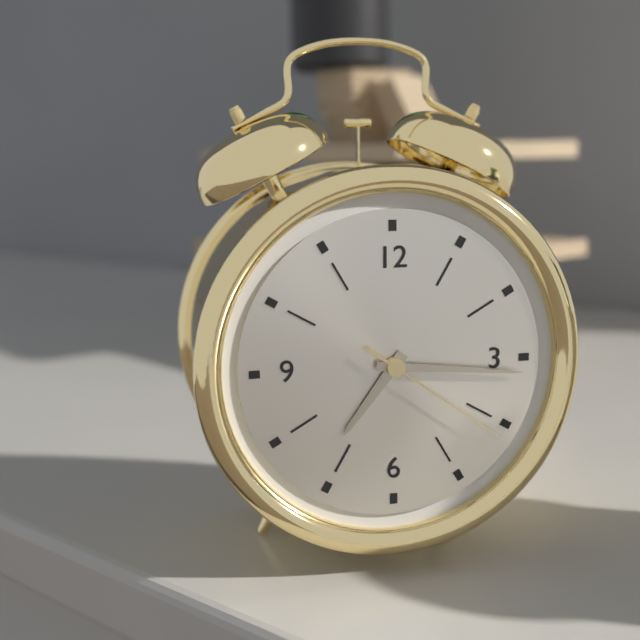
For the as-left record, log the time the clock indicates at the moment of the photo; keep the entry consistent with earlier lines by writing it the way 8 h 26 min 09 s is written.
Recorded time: 7 h 16 min 21 s
